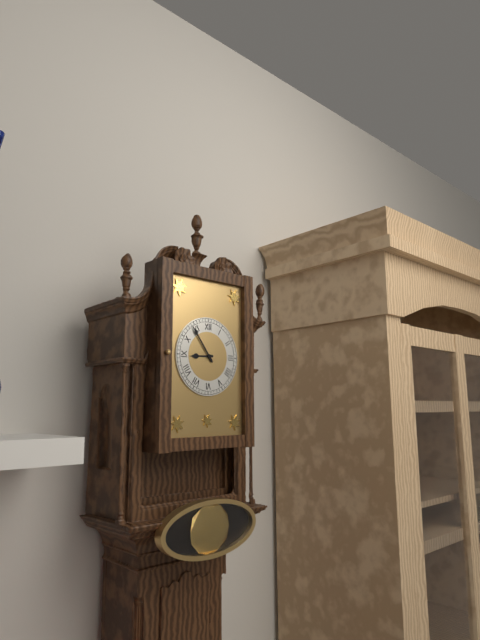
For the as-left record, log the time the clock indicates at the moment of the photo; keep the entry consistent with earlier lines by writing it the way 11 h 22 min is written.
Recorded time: 8 h 54 min
